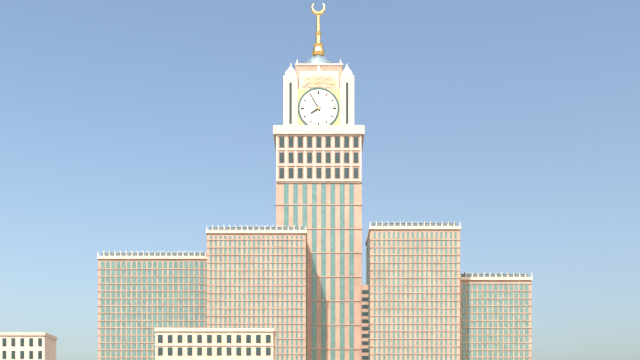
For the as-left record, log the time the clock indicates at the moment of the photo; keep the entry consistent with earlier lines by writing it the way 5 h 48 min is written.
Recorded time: 7 h 55 min
